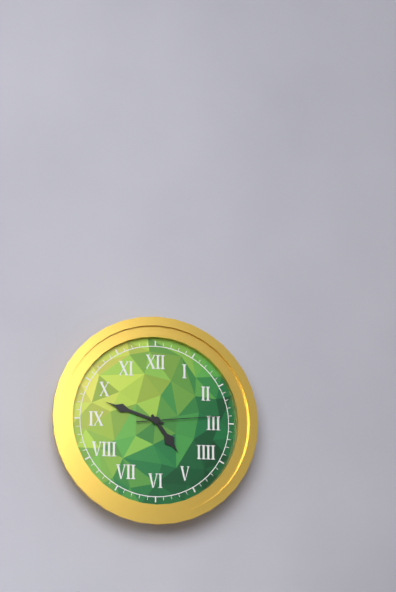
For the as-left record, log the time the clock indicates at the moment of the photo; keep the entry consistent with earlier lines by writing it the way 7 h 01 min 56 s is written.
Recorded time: 4 h 48 min 14 s
